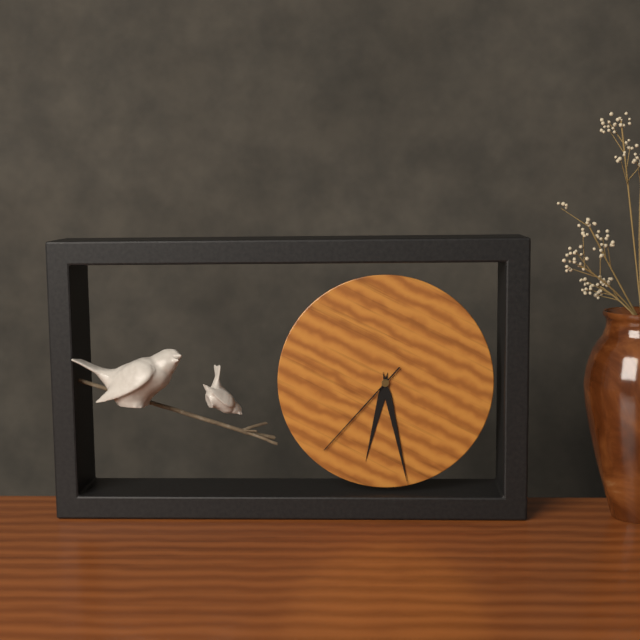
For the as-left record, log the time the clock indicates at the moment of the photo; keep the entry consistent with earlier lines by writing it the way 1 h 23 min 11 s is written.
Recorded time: 6 h 28 min 37 s
